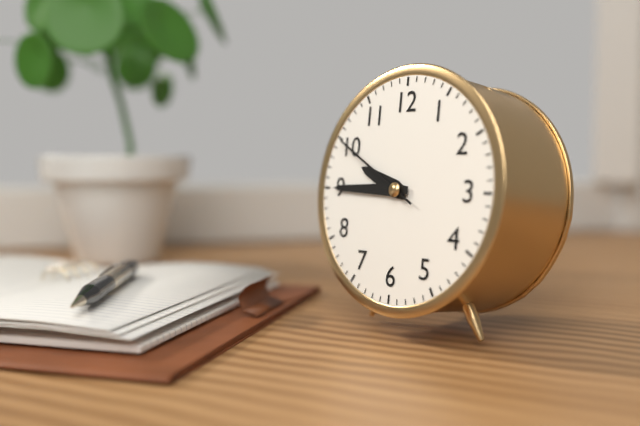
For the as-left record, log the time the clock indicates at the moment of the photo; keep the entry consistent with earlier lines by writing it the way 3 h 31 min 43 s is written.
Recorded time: 9 h 45 min 50 s
